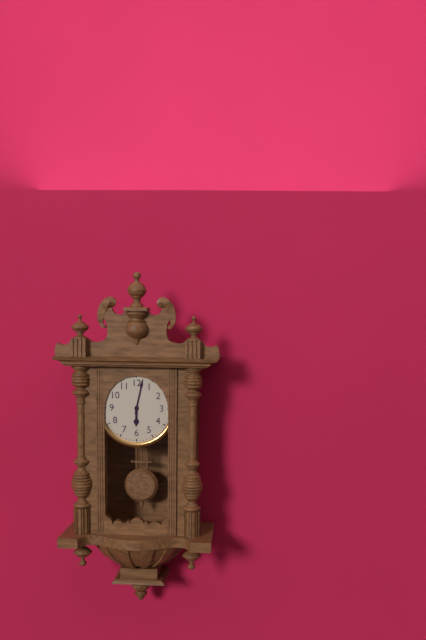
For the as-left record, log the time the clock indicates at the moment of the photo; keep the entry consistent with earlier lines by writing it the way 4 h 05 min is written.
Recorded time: 6 h 02 min
